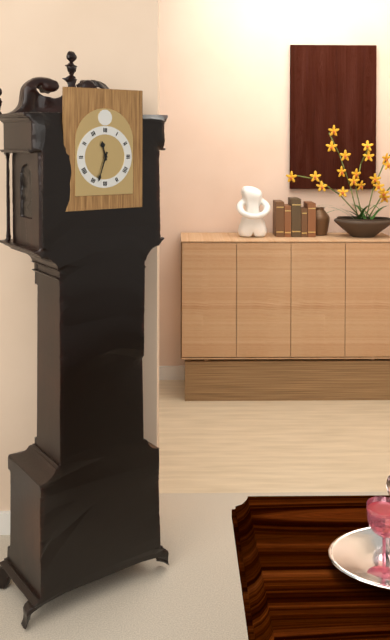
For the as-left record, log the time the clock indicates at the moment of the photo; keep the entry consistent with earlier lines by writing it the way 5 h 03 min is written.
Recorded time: 11 h 33 min
